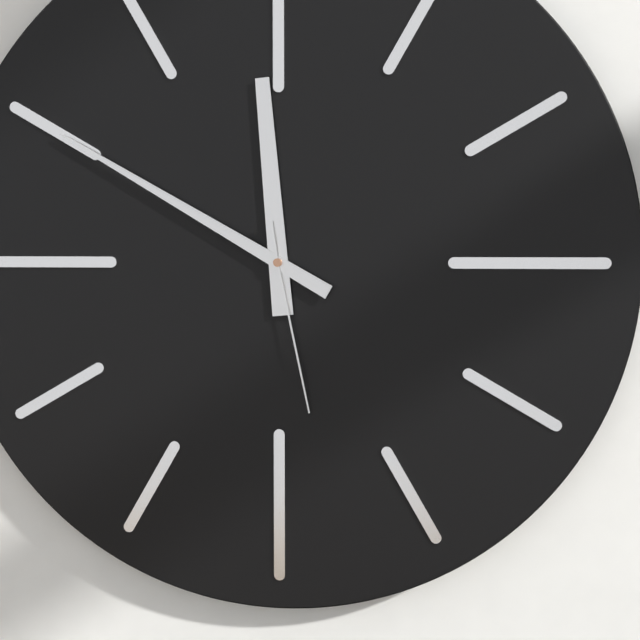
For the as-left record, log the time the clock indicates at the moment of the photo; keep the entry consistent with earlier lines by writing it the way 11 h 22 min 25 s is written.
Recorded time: 11 h 50 min 28 s
